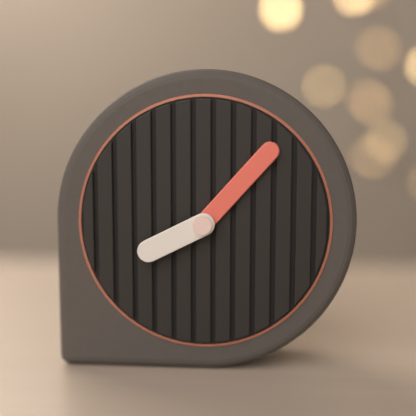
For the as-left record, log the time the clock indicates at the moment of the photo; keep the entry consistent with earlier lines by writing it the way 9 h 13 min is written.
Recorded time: 8 h 07 min
